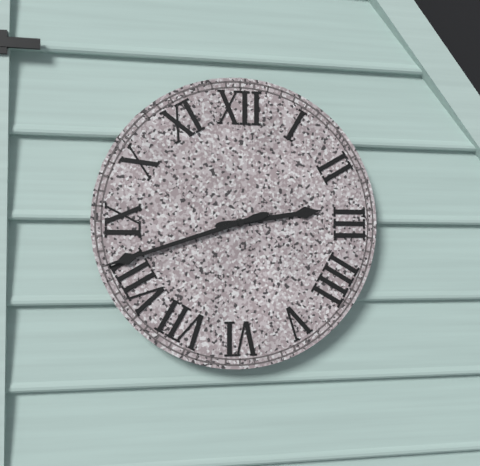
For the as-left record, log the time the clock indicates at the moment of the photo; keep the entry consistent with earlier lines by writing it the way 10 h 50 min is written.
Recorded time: 2 h 42 min
